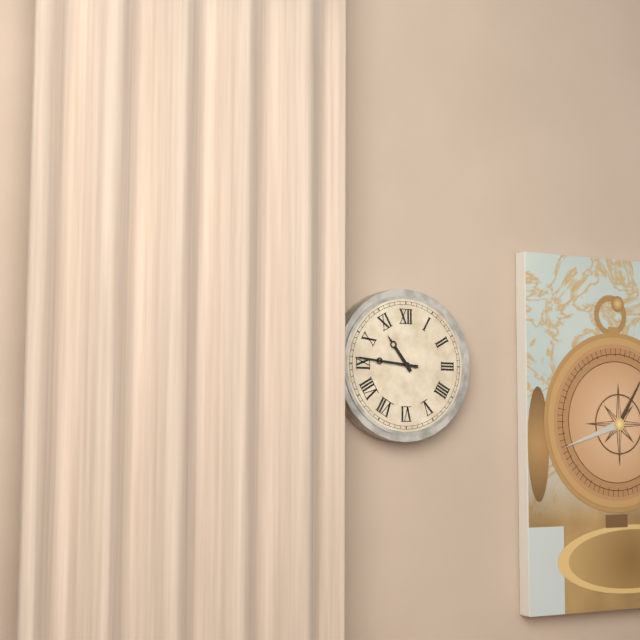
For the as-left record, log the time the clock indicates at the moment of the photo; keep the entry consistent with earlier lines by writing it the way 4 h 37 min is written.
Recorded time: 10 h 46 min
